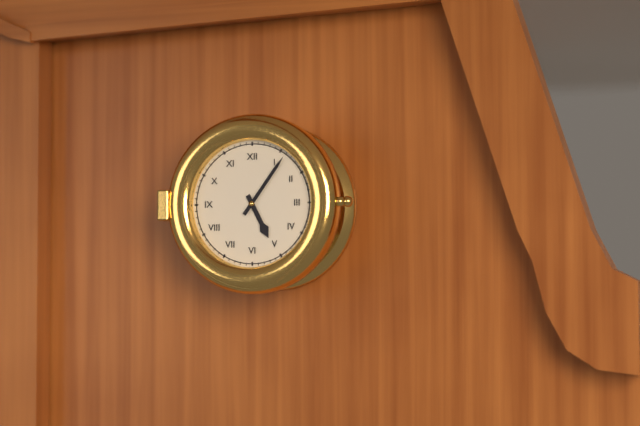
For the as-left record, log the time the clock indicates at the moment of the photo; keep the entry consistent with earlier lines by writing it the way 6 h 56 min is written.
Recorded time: 5 h 06 min
